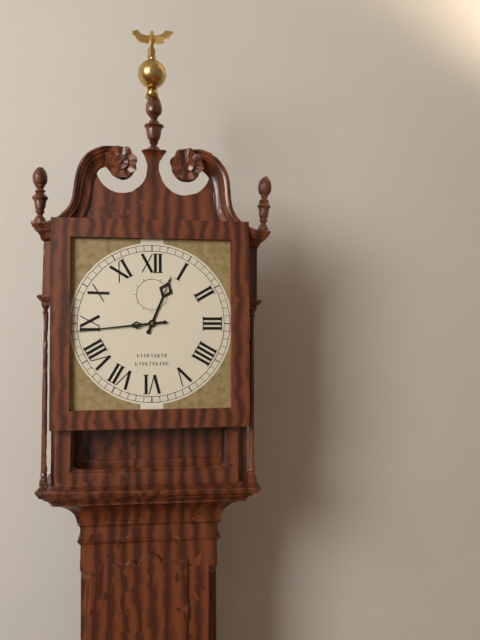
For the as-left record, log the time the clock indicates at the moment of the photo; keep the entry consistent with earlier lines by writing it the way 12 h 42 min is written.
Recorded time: 12 h 44 min
